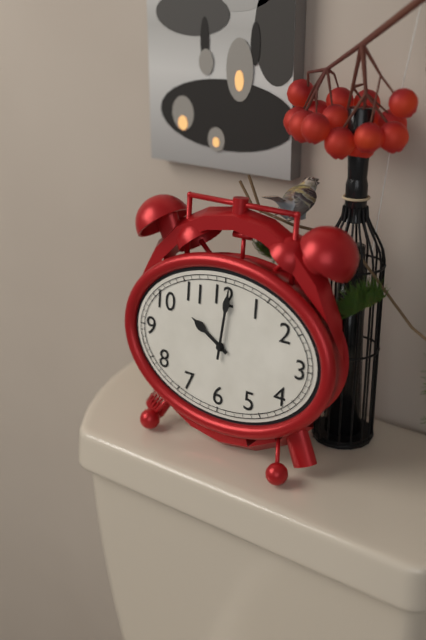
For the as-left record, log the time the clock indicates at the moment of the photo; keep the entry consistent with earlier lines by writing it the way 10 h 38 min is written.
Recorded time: 10 h 01 min
